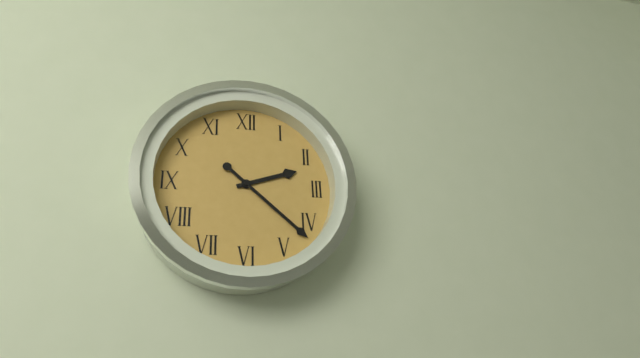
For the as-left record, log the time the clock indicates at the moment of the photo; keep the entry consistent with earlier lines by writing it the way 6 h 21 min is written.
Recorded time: 2 h 22 min
